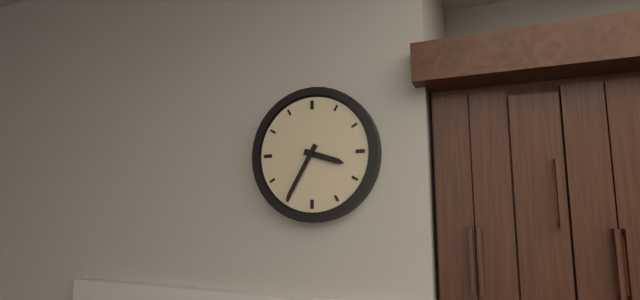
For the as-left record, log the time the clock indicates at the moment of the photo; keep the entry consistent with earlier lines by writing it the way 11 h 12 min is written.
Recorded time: 3 h 35 min
